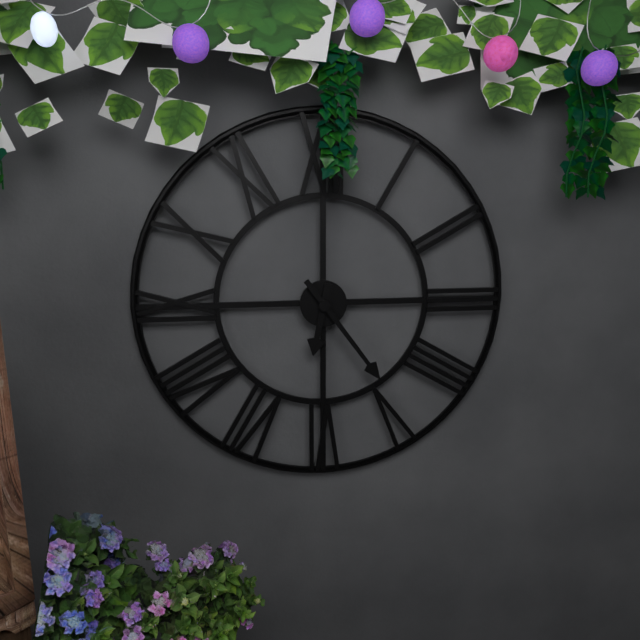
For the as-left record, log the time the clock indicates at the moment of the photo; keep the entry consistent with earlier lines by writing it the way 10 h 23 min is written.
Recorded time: 6 h 24 min
